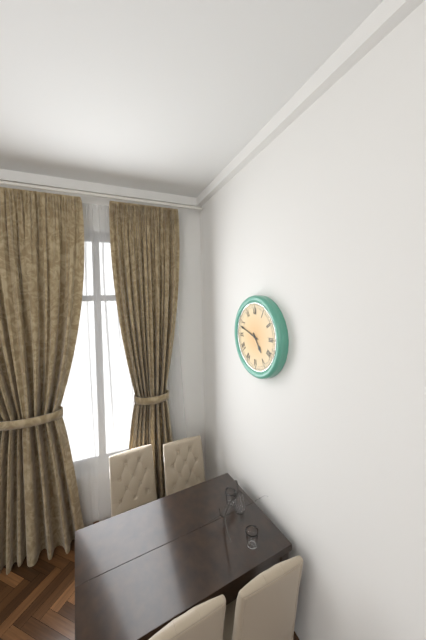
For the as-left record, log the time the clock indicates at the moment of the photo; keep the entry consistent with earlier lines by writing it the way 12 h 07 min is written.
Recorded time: 4 h 48 min
